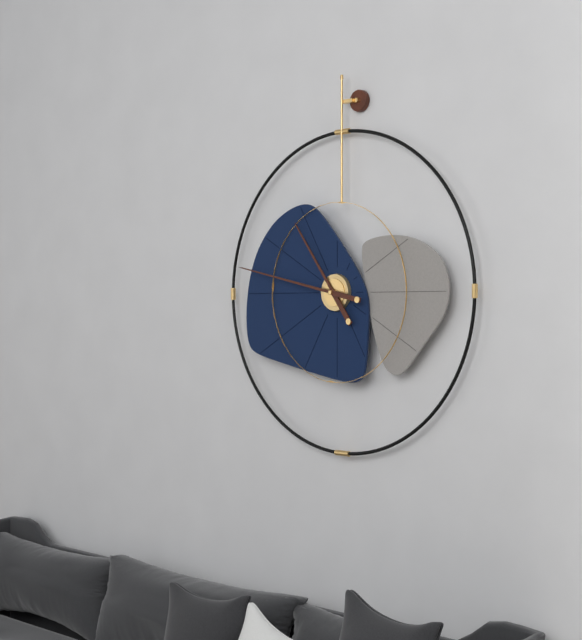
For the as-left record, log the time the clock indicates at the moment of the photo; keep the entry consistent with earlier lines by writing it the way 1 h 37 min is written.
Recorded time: 10 h 47 min
